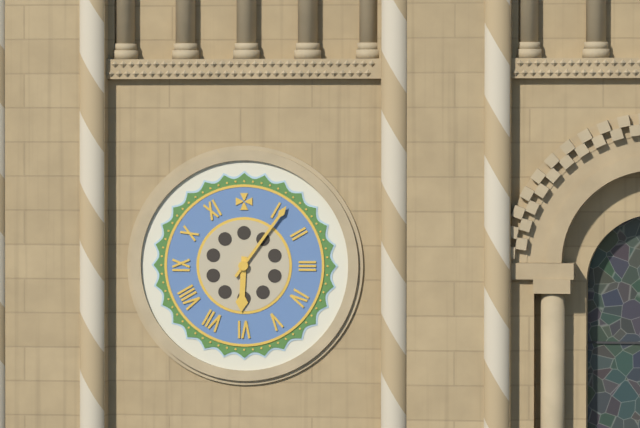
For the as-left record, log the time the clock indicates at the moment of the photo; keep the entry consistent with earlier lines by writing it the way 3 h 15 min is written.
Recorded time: 6 h 06 min
